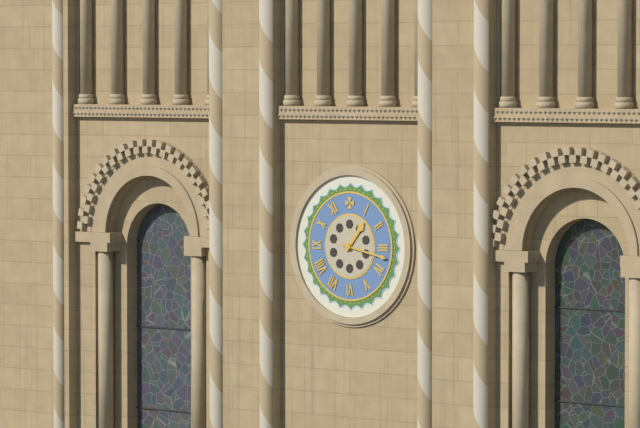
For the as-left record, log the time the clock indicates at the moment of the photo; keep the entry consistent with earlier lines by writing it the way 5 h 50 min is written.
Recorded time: 1 h 17 min
